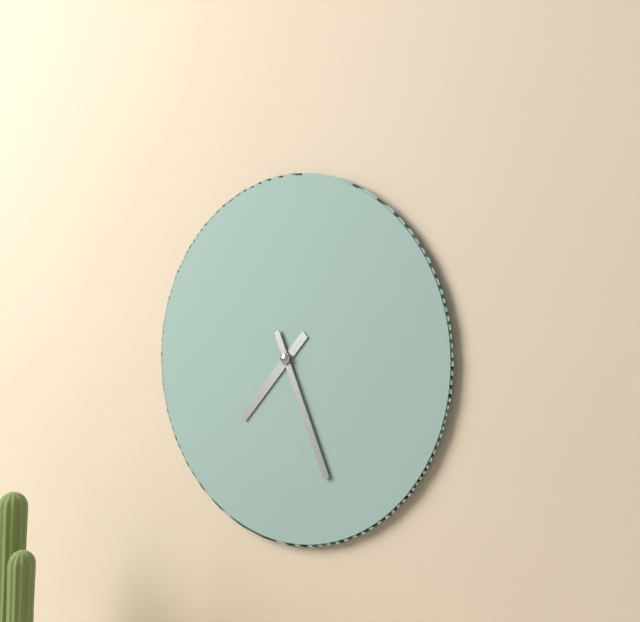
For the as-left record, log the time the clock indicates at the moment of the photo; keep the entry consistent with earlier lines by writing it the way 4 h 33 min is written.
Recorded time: 7 h 26 min
